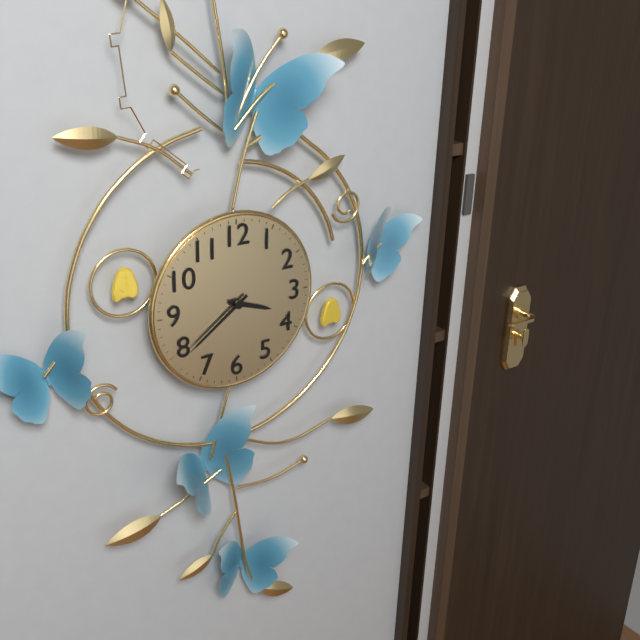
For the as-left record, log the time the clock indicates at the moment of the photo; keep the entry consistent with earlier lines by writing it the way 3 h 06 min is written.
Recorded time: 3 h 39 min
